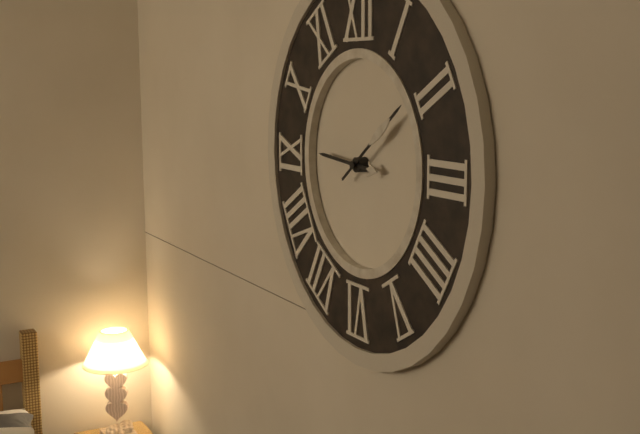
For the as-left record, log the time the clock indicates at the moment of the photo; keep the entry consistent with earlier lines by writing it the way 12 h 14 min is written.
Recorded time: 9 h 09 min
